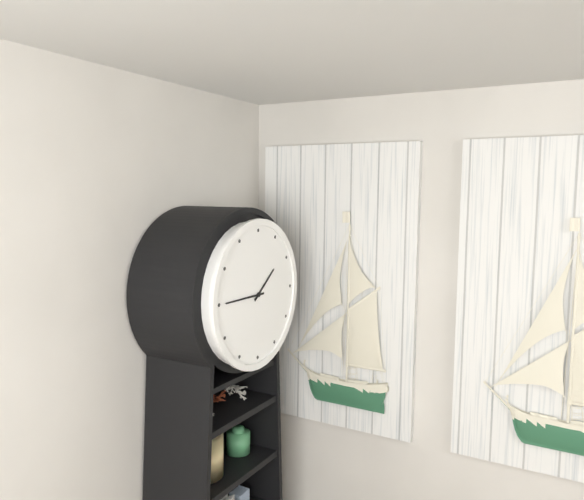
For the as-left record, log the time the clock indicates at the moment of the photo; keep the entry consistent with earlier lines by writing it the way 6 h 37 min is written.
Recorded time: 1 h 45 min
